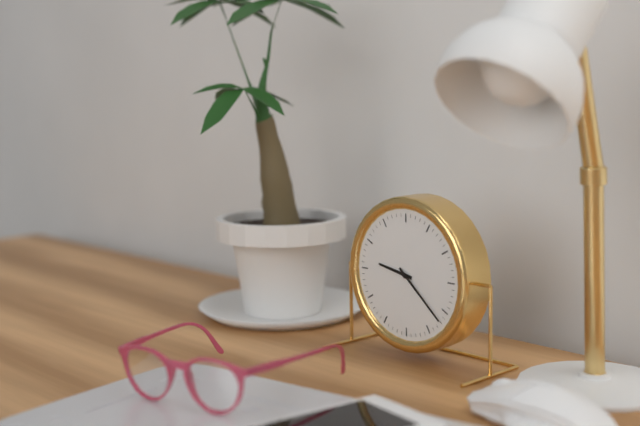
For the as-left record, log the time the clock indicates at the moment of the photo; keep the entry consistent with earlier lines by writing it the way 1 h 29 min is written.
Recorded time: 9 h 22 min
